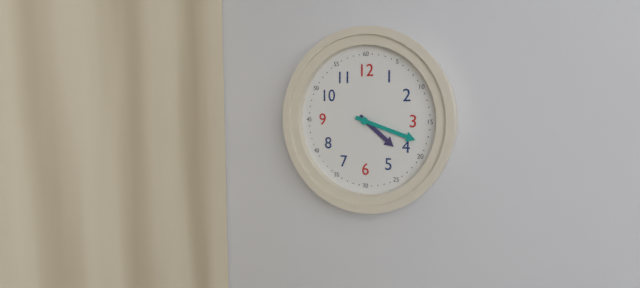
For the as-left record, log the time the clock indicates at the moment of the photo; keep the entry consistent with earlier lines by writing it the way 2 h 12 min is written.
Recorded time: 4 h 18 min
